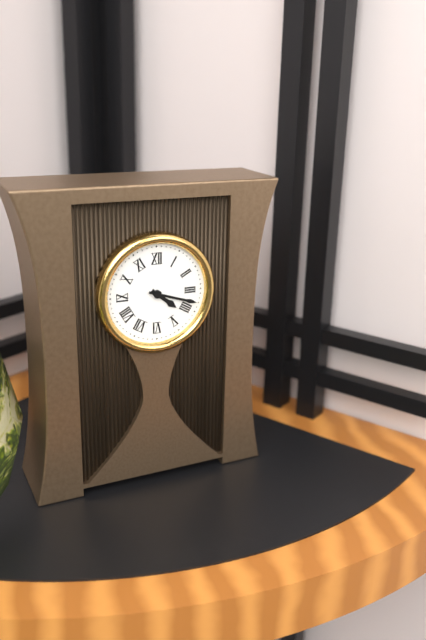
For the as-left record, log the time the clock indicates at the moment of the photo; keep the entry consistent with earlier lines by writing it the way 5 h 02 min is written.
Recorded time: 4 h 18 min
